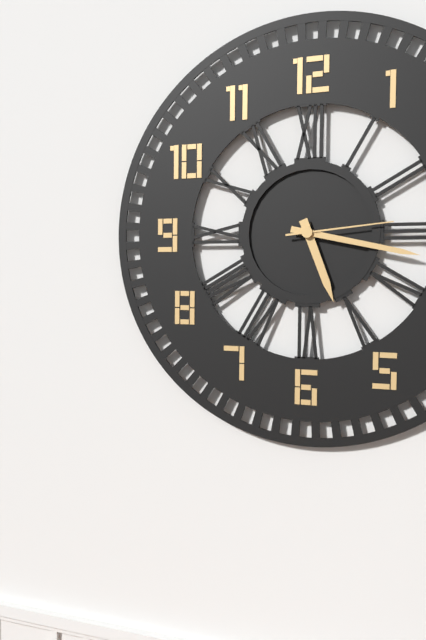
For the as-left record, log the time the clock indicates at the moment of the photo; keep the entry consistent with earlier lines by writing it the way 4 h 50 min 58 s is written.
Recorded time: 5 h 17 min 14 s
